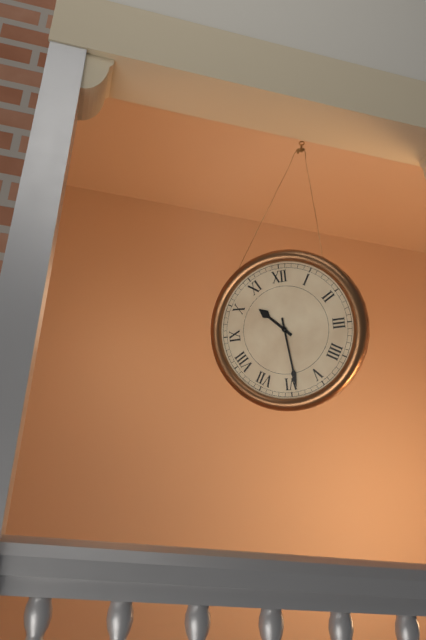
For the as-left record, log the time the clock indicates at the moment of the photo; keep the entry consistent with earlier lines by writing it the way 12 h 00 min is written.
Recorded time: 10 h 29 min
